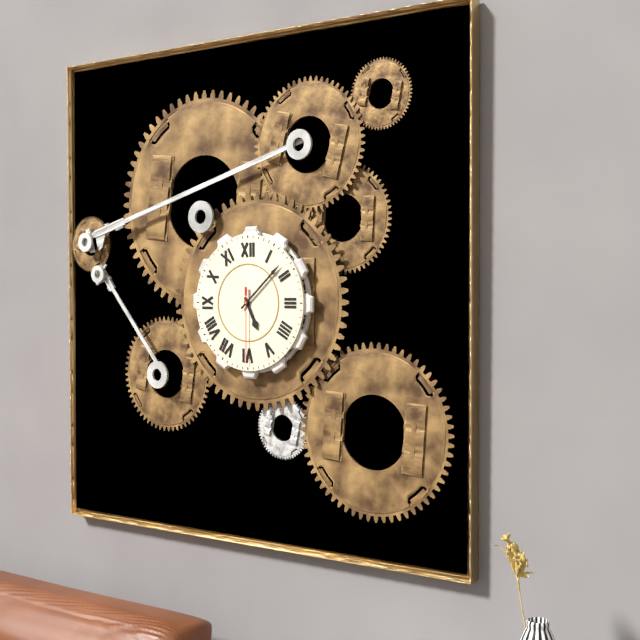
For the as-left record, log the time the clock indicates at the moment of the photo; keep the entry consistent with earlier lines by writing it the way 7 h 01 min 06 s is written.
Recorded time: 5 h 08 min 30 s
